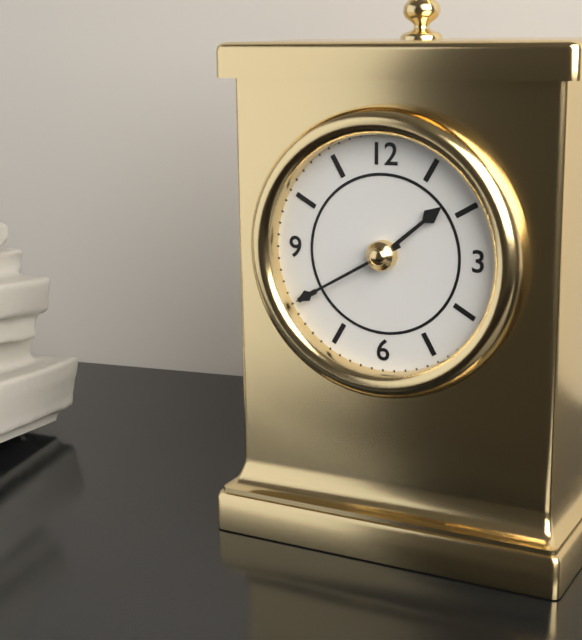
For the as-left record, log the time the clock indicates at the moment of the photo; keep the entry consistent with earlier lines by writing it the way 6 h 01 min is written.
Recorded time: 1 h 40 min
